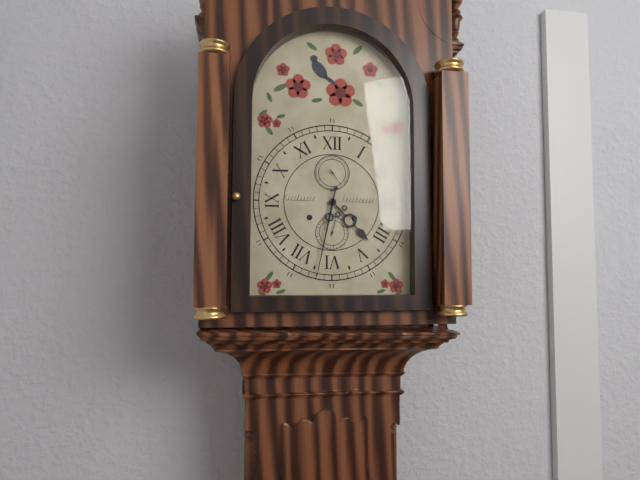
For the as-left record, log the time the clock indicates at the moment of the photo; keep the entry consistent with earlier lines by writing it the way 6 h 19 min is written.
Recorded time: 4 h 32 min
